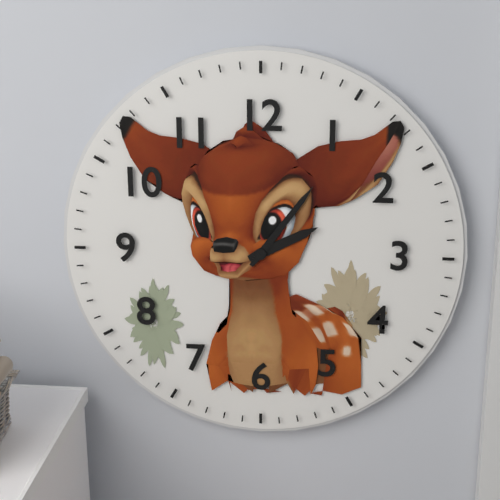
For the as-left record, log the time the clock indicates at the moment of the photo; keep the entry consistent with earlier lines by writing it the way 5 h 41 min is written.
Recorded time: 2 h 06 min
